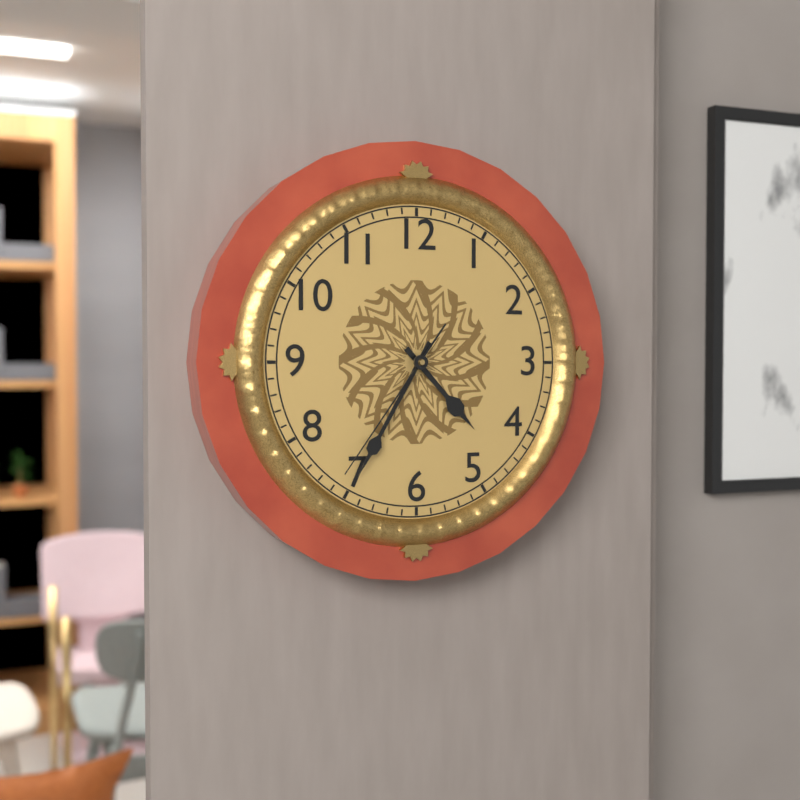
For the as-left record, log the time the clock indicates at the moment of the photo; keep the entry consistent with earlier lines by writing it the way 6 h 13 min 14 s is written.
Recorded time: 4 h 35 min 36 s
